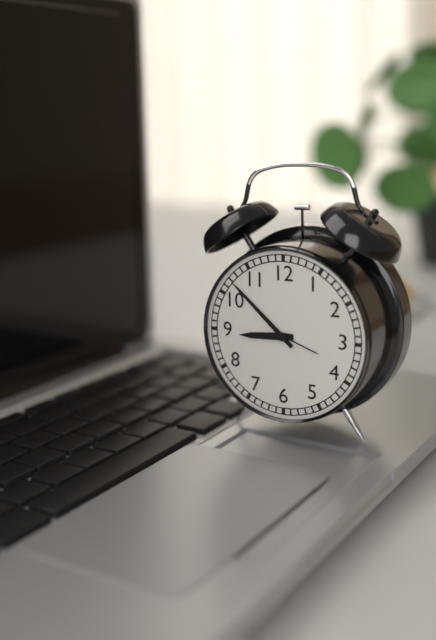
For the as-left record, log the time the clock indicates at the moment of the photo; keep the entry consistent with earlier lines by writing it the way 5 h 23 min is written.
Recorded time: 8 h 52 min
